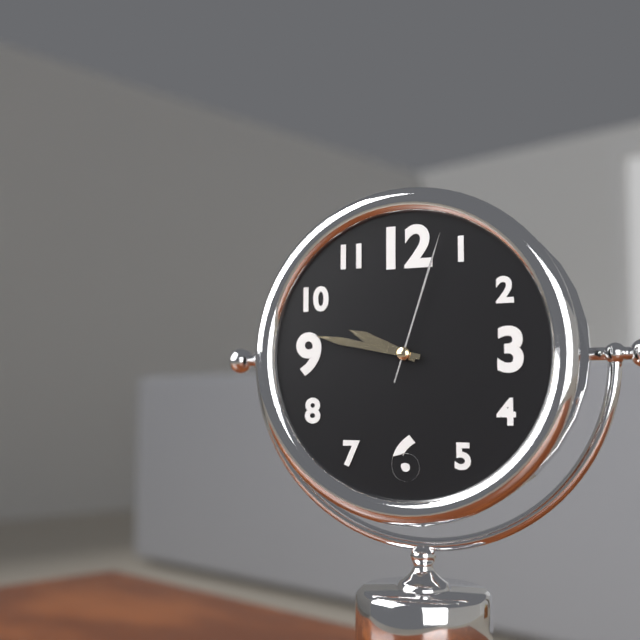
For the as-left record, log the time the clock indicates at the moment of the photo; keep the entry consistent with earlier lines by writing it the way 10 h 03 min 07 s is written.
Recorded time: 9 h 47 min 03 s
